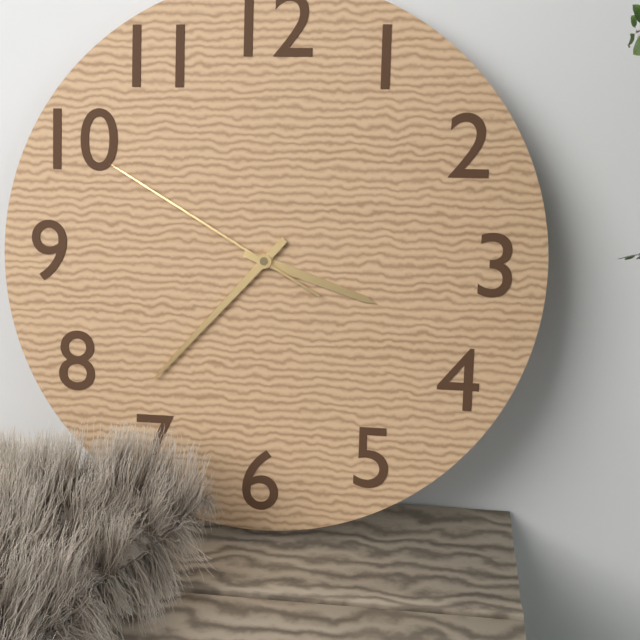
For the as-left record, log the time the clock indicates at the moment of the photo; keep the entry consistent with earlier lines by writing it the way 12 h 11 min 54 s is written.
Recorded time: 3 h 37 min 50 s
